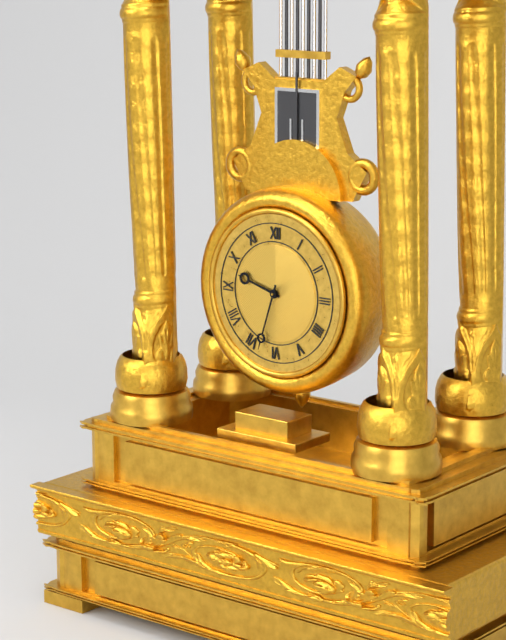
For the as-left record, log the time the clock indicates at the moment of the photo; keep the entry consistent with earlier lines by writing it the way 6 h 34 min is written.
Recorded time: 9 h 33 min
